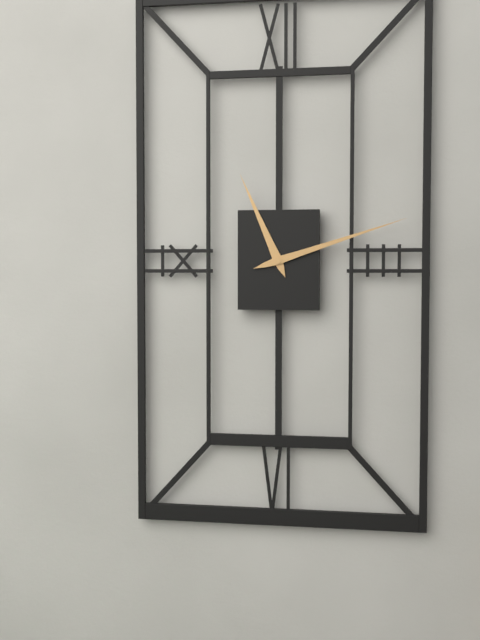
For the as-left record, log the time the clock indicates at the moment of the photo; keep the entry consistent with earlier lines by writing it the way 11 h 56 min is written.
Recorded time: 11 h 12 min
